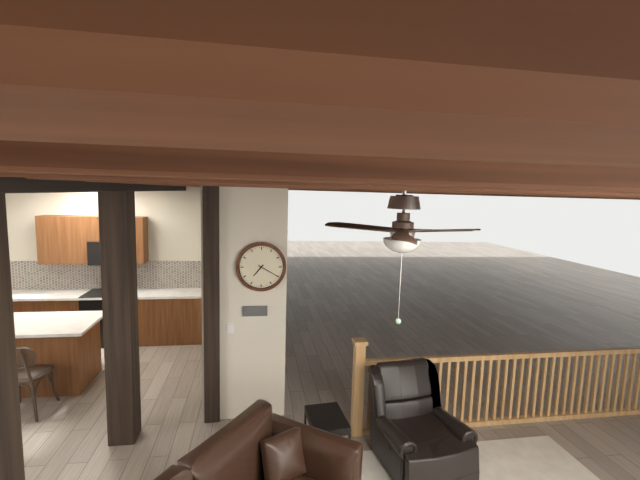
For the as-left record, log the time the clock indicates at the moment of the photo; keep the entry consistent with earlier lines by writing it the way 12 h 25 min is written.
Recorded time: 7 h 20 min
